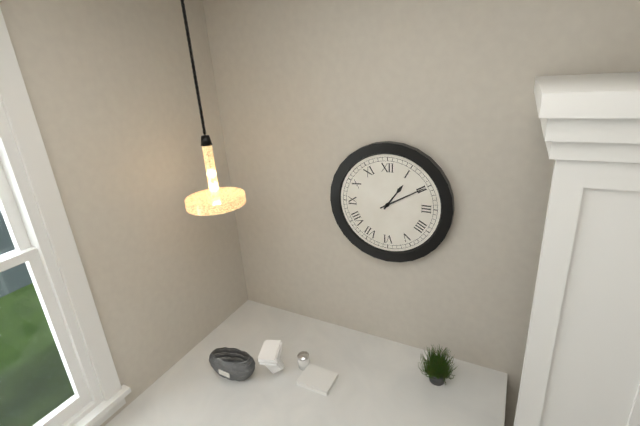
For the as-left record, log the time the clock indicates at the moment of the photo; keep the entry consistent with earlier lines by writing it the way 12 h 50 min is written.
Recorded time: 1 h 10 min
